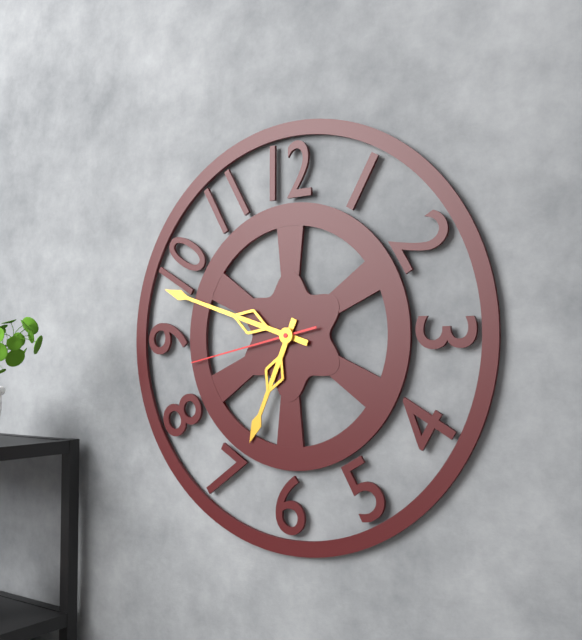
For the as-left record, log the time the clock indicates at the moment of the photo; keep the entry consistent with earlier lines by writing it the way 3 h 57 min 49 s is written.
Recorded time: 6 h 48 min 43 s
